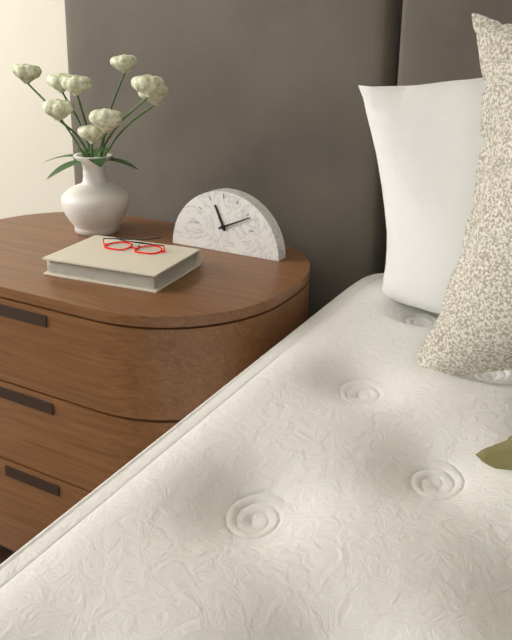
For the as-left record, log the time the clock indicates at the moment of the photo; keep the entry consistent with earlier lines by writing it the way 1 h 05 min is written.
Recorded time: 11 h 11 min
